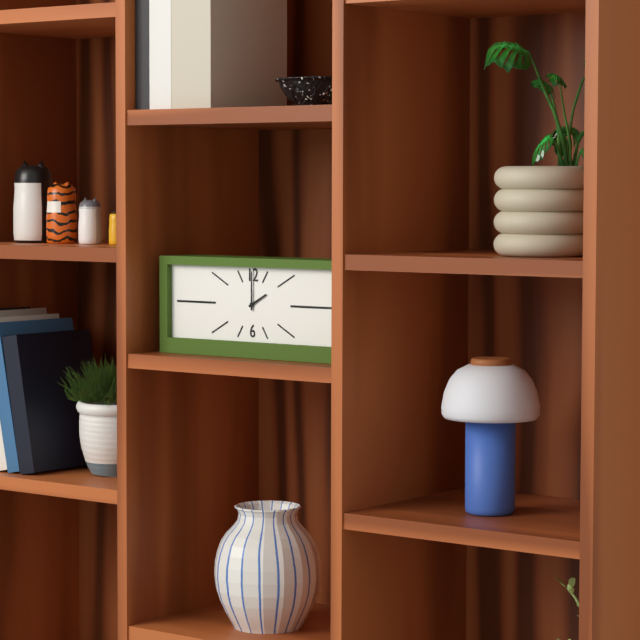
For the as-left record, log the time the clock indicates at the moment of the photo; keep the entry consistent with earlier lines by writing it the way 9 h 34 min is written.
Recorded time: 2 h 00 min
